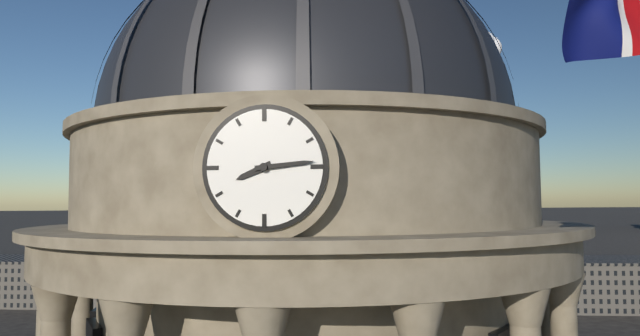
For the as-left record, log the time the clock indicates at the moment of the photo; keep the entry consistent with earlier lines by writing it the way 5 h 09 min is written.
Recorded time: 8 h 14 min
